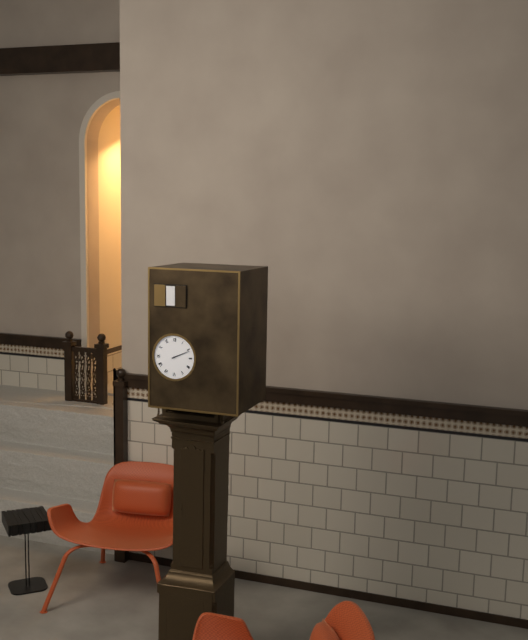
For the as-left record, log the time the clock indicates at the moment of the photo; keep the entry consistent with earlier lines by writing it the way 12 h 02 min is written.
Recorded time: 2 h 11 min
